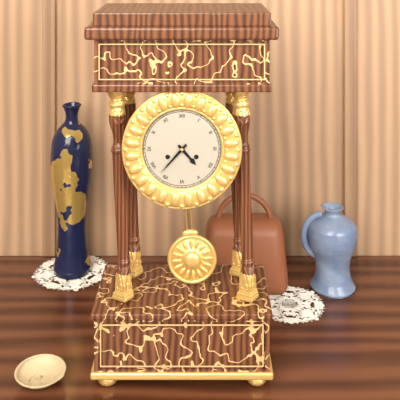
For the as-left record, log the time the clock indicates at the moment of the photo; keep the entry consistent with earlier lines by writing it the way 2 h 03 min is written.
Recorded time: 4 h 37 min
